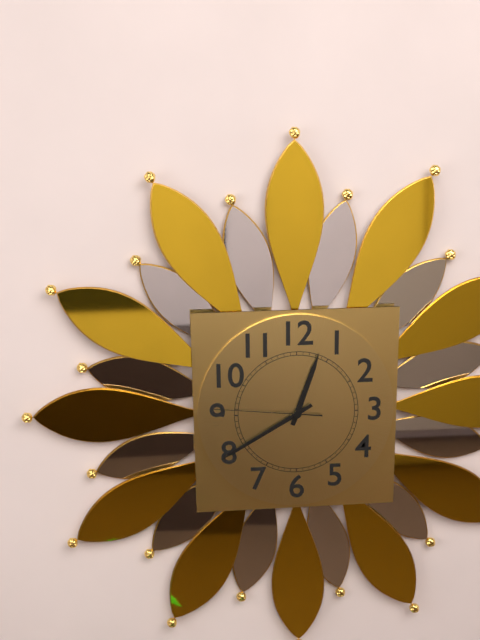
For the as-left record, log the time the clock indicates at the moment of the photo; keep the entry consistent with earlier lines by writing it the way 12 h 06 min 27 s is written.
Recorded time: 12 h 40 min 46 s
